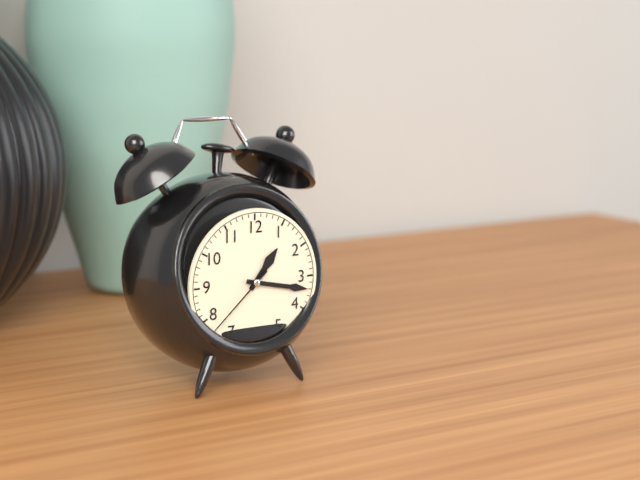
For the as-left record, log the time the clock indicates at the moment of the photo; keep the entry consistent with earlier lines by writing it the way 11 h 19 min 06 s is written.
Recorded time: 1 h 17 min 38 s
